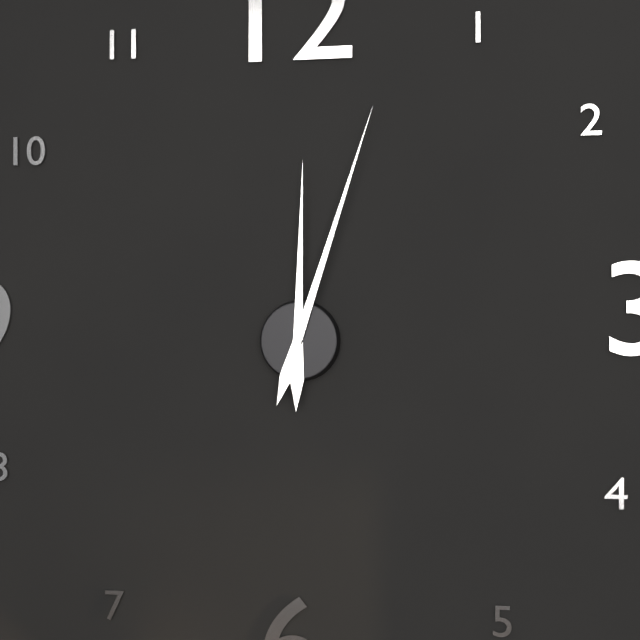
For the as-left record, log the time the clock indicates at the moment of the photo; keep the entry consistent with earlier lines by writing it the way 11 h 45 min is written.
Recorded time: 12 h 03 min
